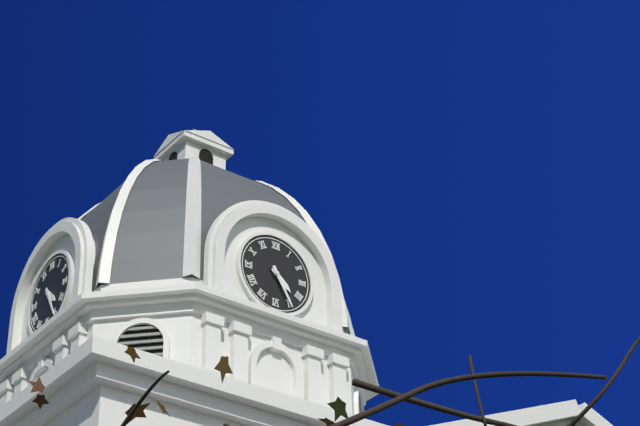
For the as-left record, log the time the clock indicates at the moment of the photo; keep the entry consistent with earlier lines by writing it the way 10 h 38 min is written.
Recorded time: 4 h 25 min
